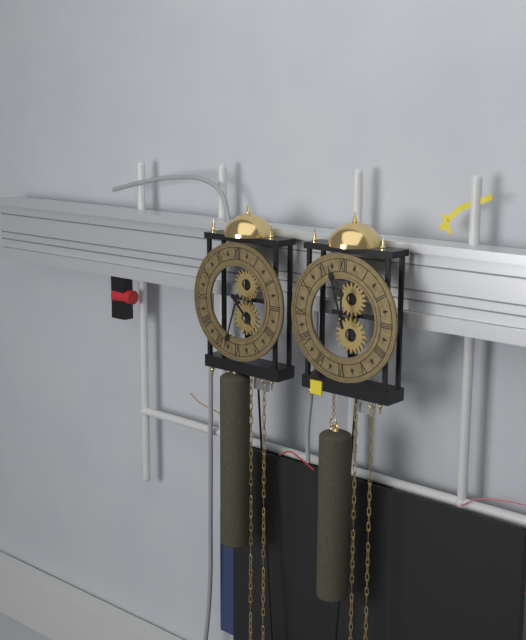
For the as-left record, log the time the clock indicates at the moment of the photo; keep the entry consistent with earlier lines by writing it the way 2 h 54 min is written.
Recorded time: 4 h 33 min
